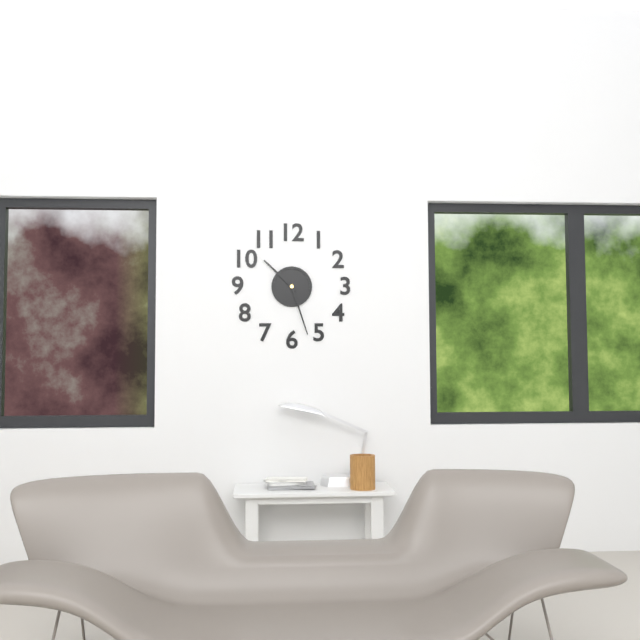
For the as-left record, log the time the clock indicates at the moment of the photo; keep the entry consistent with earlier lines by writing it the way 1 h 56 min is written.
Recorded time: 10 h 27 min
